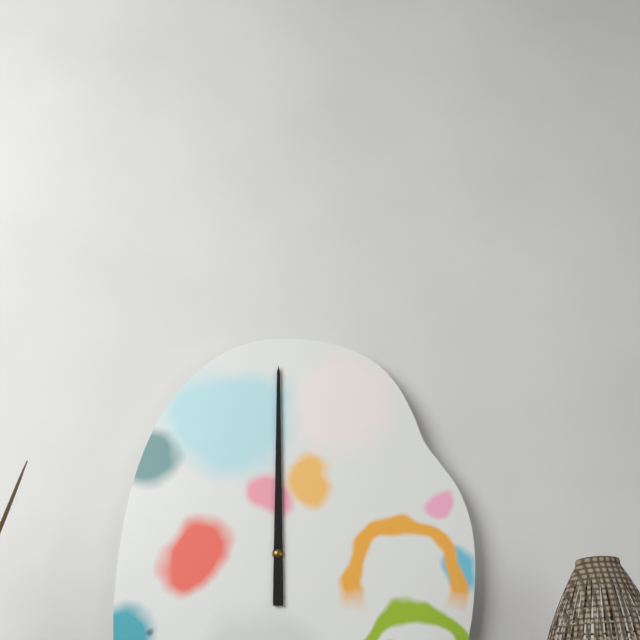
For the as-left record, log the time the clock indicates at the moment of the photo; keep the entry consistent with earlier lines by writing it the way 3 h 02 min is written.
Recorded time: 12 h 00 min
